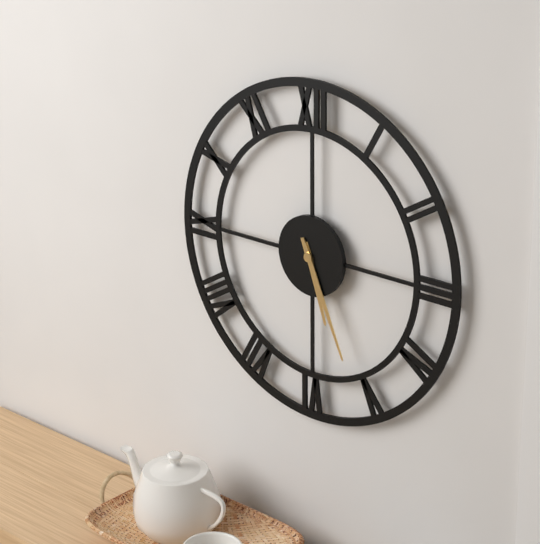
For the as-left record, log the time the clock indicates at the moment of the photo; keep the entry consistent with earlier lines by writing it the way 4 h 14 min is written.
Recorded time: 5 h 26 min
